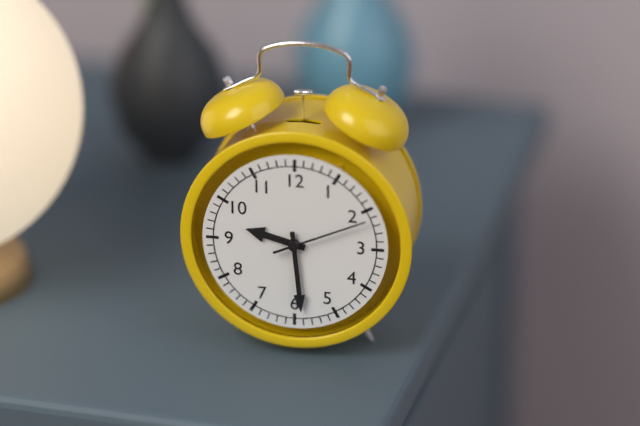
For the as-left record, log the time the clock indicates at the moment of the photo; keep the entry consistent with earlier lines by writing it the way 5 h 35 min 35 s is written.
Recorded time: 9 h 29 min 11 s
